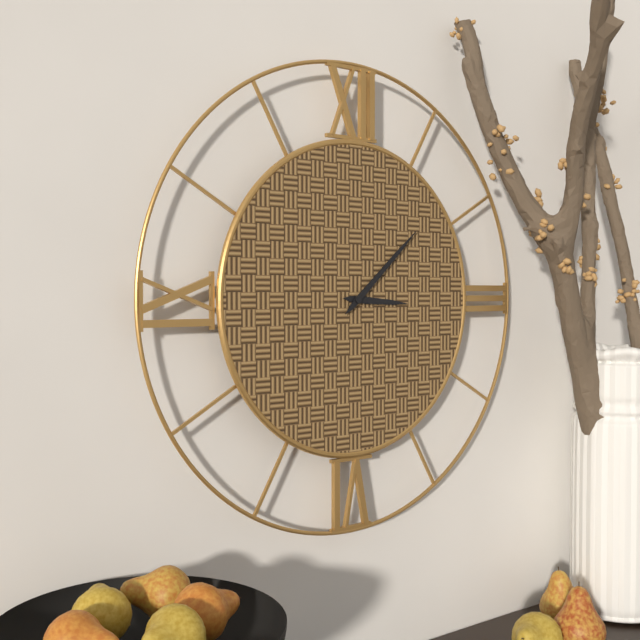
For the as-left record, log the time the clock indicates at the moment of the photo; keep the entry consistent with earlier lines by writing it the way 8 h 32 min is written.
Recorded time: 3 h 08 min
